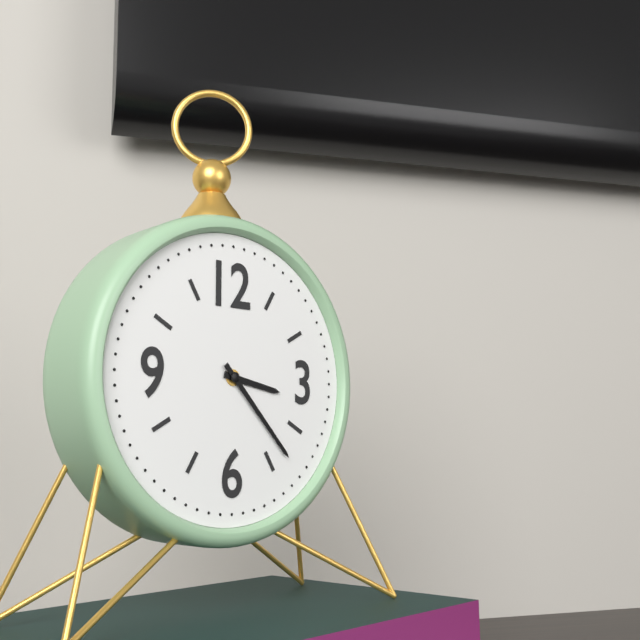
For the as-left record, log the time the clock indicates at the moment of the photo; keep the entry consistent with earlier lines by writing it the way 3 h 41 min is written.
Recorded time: 3 h 23 min
